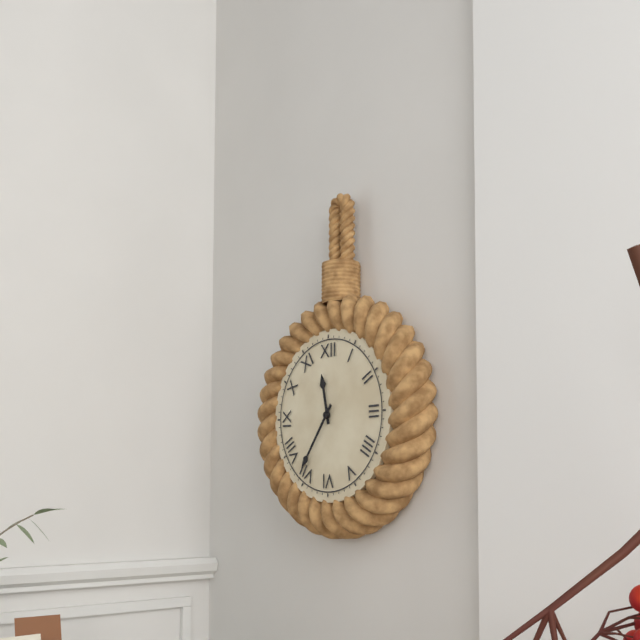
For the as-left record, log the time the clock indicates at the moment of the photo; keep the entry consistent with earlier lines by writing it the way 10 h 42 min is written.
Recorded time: 11 h 36 min
